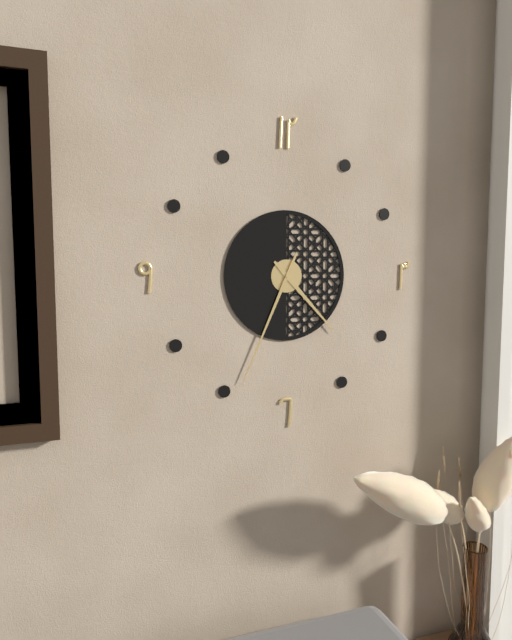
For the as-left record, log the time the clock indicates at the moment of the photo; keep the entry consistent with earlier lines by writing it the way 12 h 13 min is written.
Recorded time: 4 h 34 min
